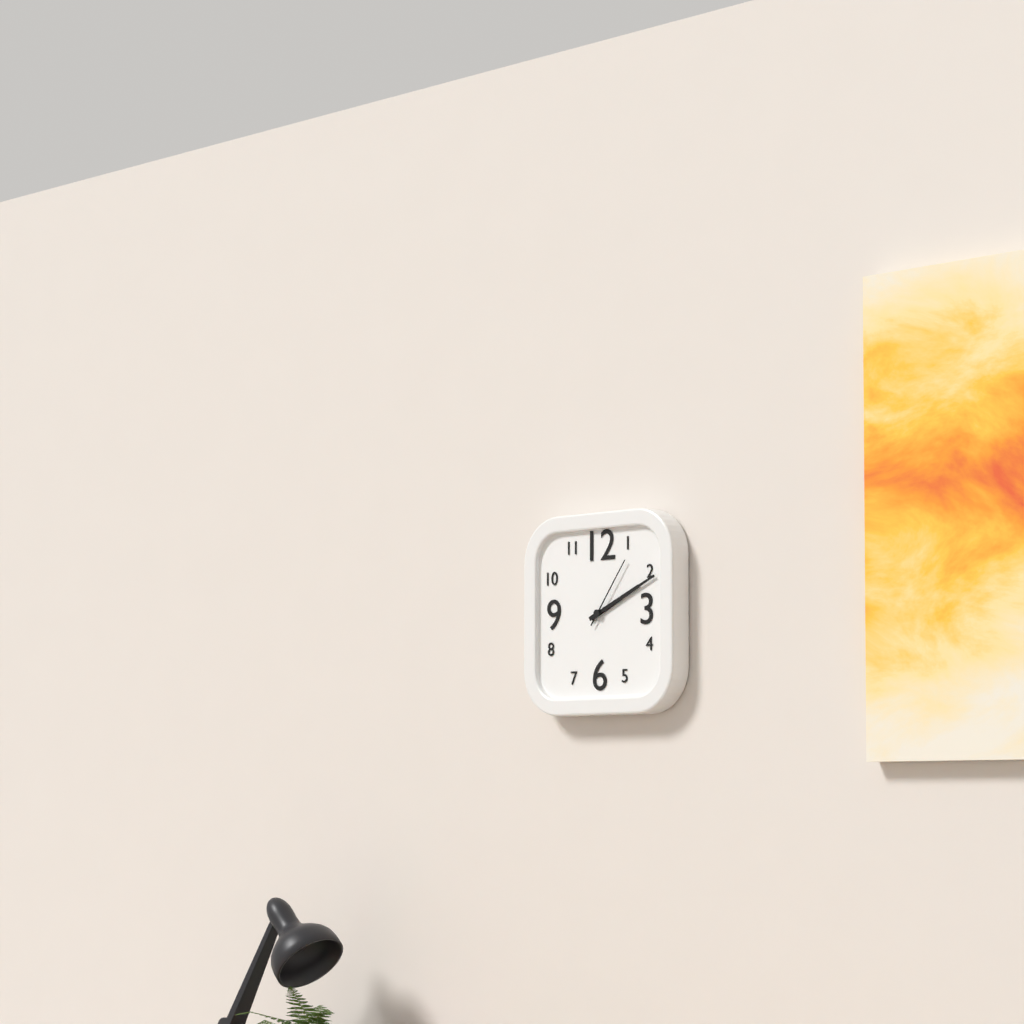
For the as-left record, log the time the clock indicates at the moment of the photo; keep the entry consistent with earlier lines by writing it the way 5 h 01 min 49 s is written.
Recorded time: 2 h 11 min 06 s
